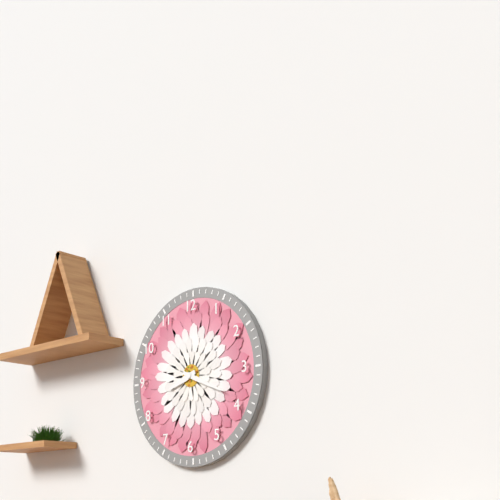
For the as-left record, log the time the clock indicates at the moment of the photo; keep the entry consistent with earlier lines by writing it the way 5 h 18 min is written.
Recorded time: 8 h 19 min
